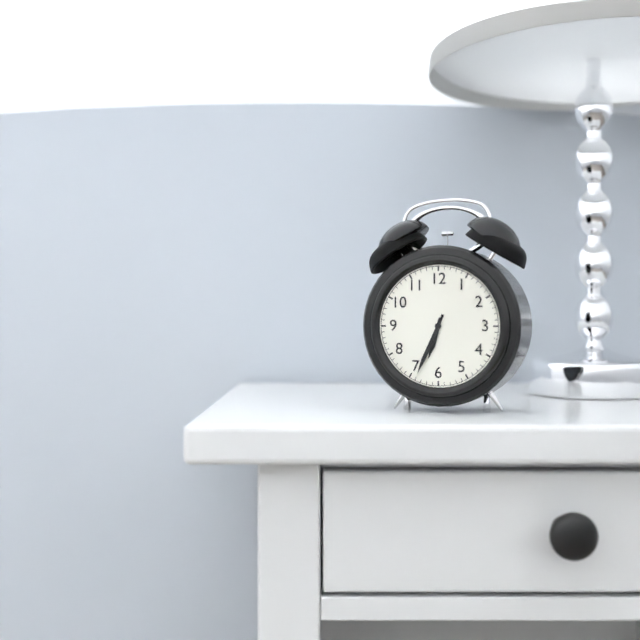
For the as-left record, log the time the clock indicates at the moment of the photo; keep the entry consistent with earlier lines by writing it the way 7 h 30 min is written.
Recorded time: 6 h 34 min
